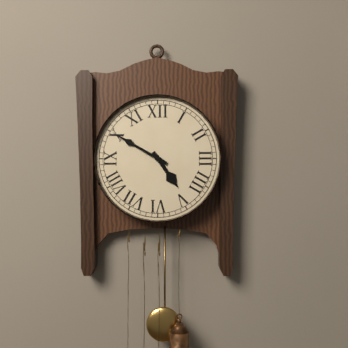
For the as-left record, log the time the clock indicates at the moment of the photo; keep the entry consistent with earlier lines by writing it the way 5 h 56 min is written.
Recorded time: 4 h 50 min
